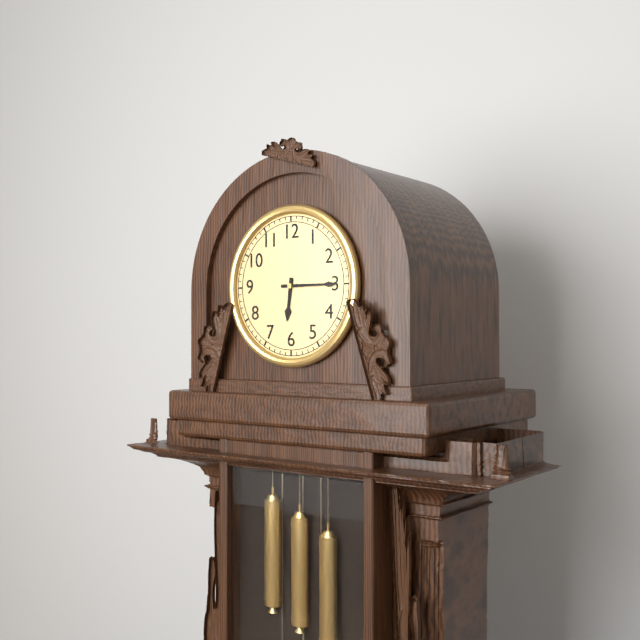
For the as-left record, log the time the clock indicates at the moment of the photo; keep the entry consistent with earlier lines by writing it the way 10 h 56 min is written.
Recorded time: 6 h 15 min
